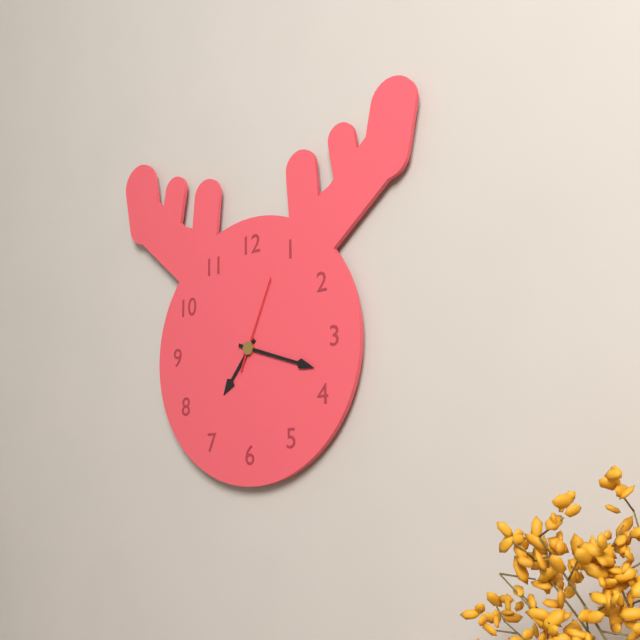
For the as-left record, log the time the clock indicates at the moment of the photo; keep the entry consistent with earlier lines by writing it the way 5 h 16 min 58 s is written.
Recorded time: 7 h 18 min 04 s
